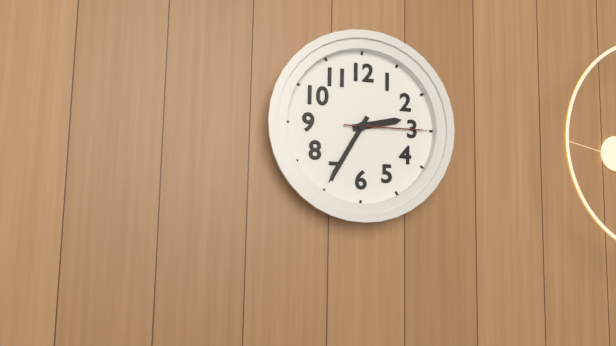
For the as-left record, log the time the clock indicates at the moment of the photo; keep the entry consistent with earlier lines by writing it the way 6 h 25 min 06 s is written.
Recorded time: 2 h 35 min 15 s
